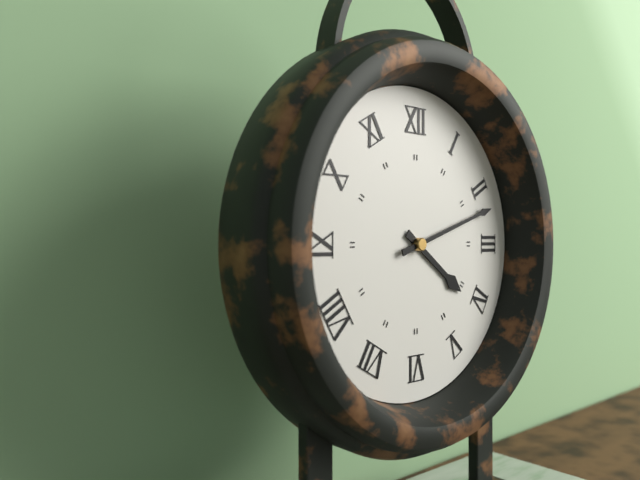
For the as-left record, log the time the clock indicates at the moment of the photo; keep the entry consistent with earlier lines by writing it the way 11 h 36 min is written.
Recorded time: 4 h 12 min
